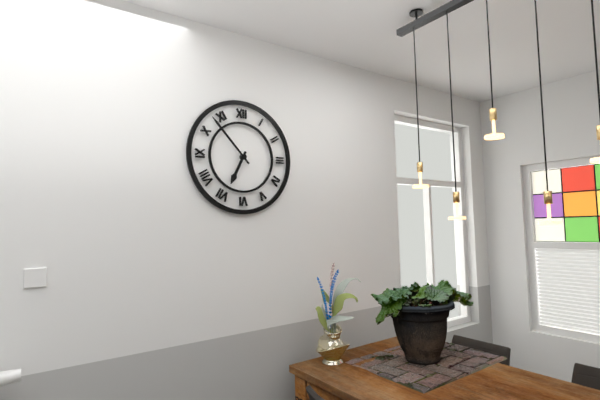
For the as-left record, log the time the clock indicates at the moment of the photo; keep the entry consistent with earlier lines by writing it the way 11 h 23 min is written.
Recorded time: 6 h 53 min
